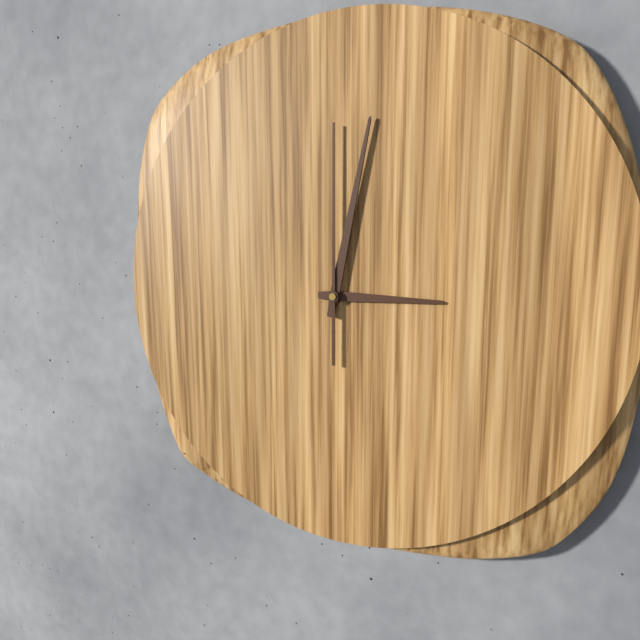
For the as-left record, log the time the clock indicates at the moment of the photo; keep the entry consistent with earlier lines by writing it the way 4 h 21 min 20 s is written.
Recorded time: 3 h 02 min 00 s
